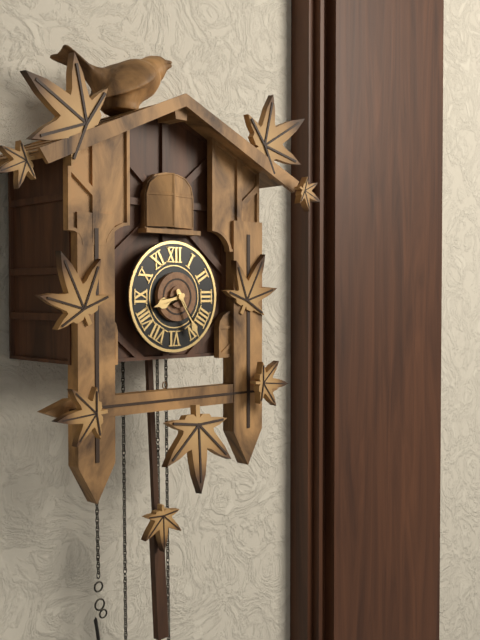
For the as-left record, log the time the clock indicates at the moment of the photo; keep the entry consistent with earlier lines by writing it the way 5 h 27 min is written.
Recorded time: 8 h 25 min
